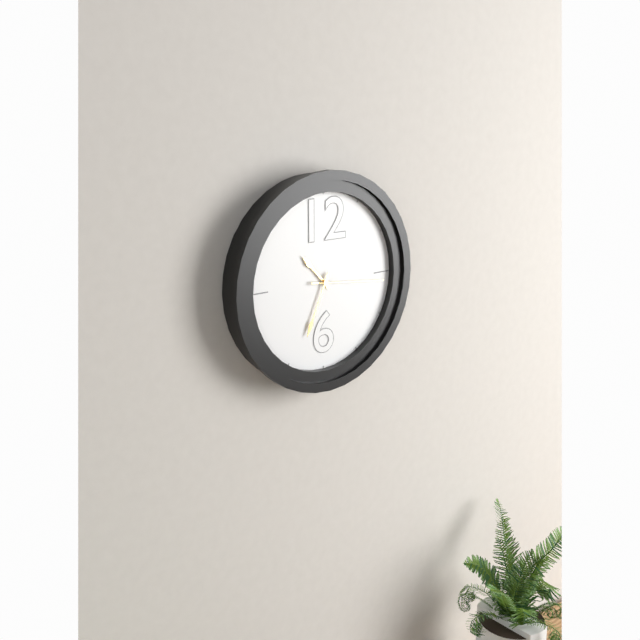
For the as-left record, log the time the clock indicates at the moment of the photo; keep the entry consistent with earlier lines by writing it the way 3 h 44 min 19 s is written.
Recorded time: 10 h 34 min 16 s
